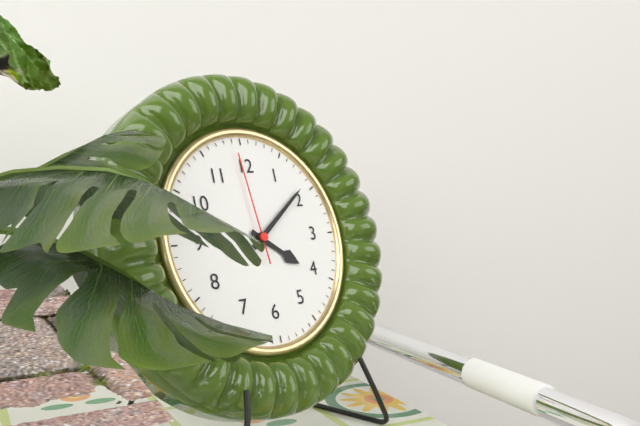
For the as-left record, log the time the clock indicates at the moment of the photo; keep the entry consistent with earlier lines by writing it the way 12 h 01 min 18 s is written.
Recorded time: 4 h 09 min 59 s
